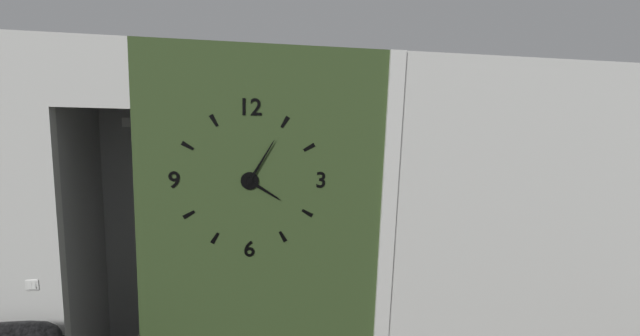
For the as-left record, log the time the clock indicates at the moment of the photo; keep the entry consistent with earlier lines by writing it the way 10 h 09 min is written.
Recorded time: 4 h 05 min
